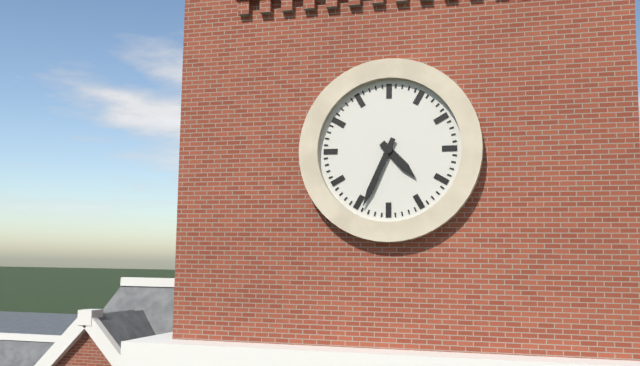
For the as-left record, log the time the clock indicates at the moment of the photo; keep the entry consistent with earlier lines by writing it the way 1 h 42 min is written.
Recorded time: 4 h 34 min
